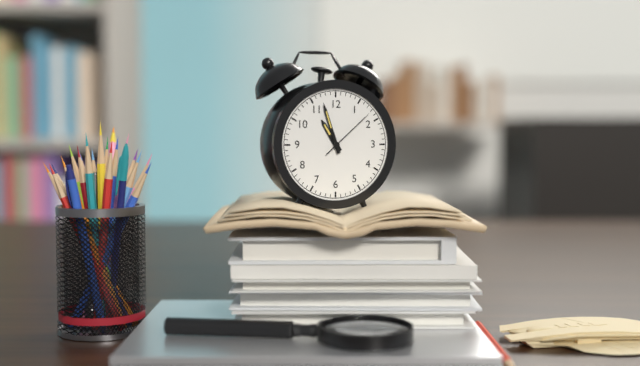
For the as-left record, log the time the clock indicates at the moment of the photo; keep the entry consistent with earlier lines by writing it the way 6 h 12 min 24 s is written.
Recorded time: 10 h 57 min 08 s
